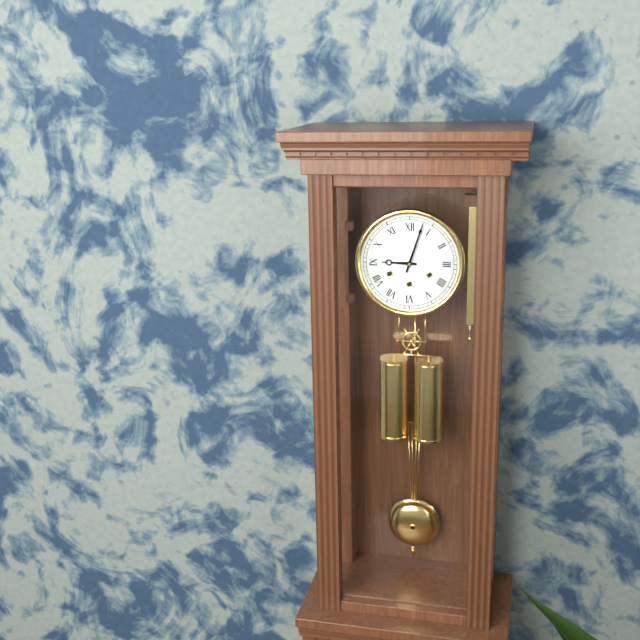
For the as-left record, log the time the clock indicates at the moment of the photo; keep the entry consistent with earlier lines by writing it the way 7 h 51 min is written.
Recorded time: 9 h 03 min
